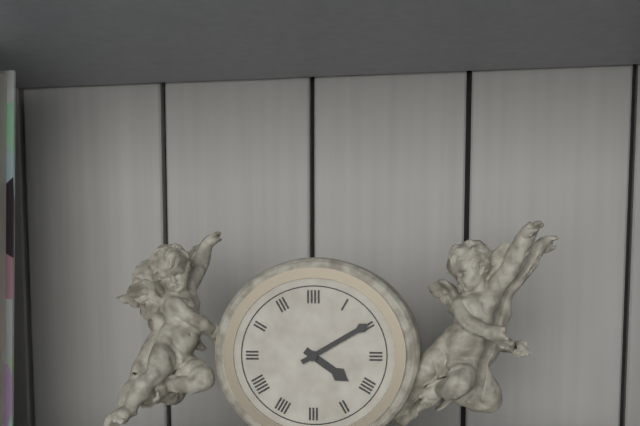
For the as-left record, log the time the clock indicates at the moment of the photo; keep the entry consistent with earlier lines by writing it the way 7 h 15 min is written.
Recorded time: 4 h 10 min
